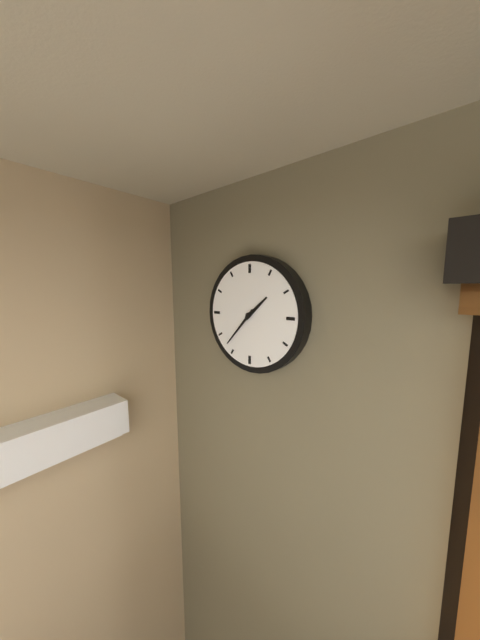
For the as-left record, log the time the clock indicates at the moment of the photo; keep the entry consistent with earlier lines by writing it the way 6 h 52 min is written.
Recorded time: 1 h 37 min
